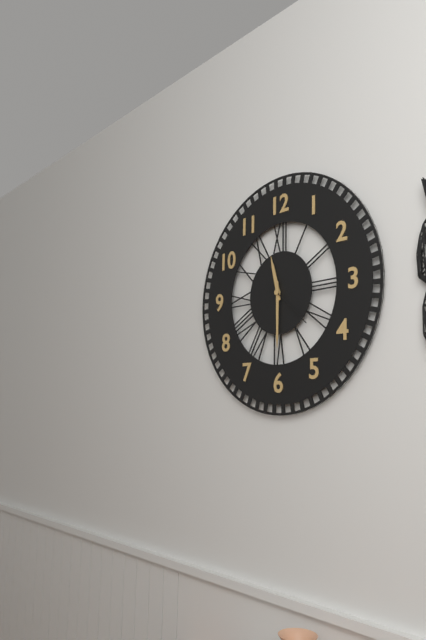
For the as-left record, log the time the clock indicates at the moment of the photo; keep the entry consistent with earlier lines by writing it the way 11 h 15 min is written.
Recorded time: 11 h 30 min
